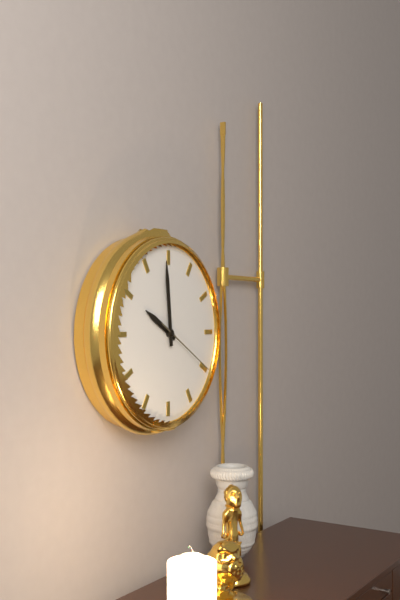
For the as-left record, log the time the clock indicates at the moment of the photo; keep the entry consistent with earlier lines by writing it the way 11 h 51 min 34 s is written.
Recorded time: 9 h 59 min 20 s
